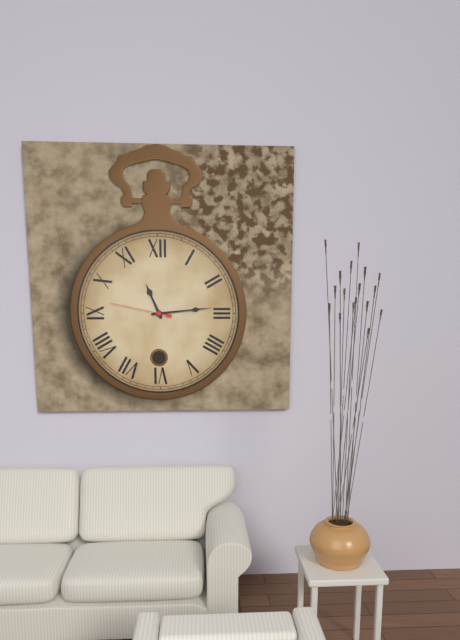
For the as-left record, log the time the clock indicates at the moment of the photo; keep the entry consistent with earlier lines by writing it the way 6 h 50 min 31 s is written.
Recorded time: 11 h 14 min 47 s
